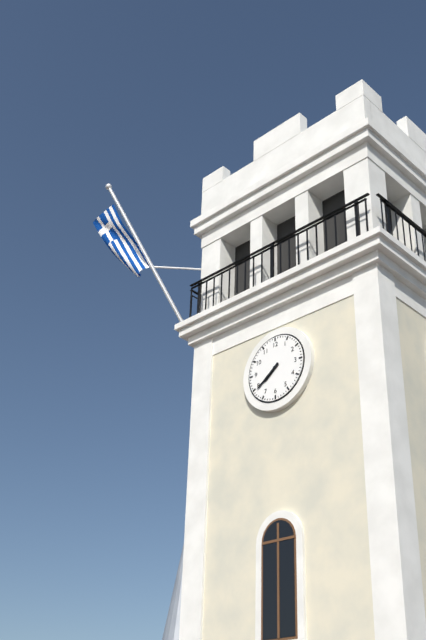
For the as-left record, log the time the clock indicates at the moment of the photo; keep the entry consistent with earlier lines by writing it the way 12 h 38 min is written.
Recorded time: 7 h 39 min
